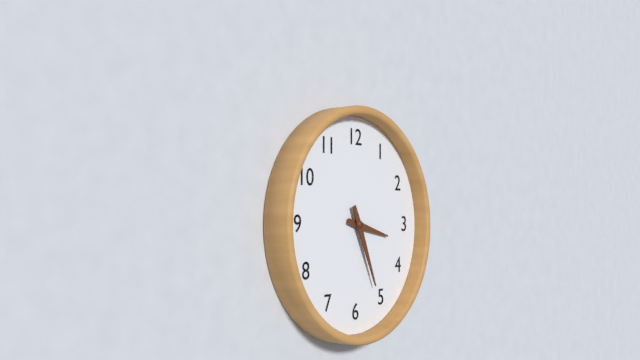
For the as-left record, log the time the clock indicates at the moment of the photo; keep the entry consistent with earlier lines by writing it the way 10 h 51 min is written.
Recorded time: 3 h 26 min
